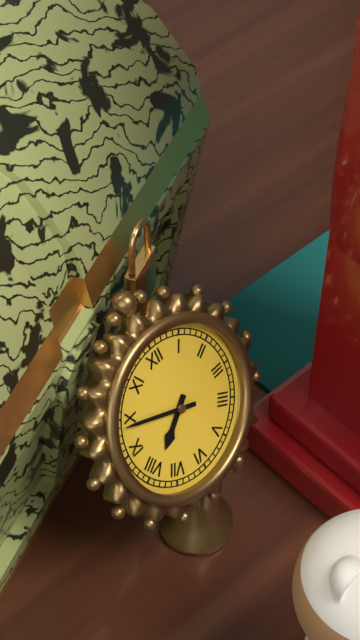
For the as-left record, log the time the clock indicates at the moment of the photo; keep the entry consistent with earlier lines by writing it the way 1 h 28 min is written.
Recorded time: 7 h 49 min
